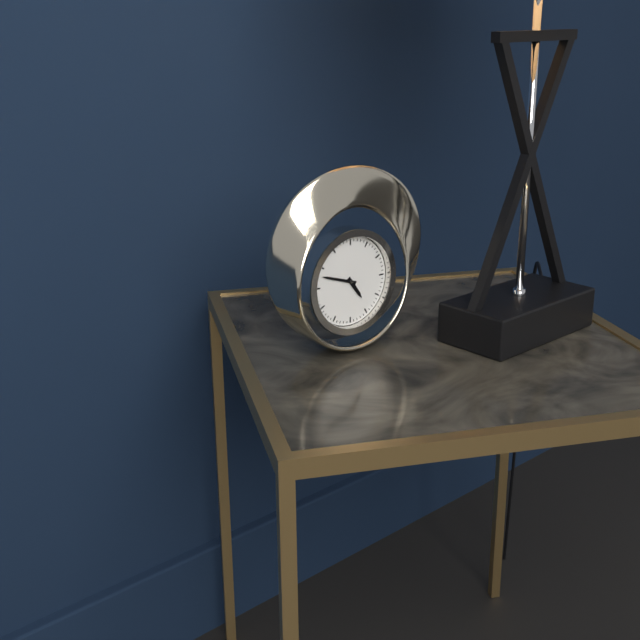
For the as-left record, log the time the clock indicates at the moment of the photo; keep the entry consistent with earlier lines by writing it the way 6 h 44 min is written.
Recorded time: 4 h 48 min
